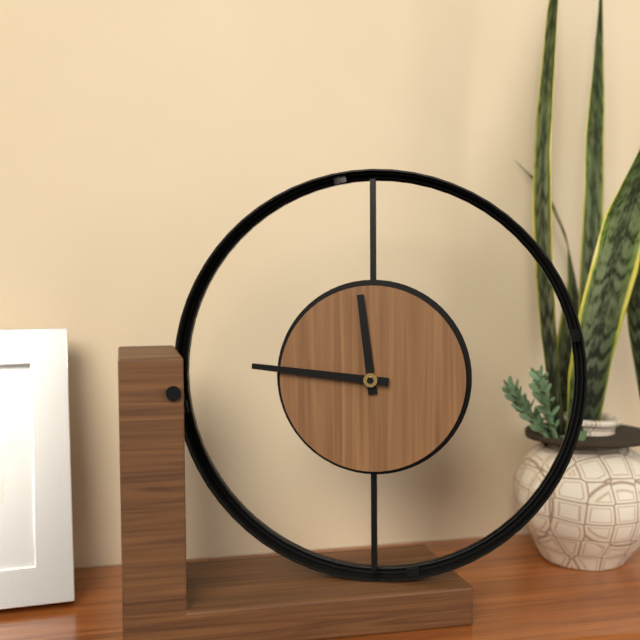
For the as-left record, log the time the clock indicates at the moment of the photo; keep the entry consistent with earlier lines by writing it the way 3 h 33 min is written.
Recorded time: 11 h 46 min
